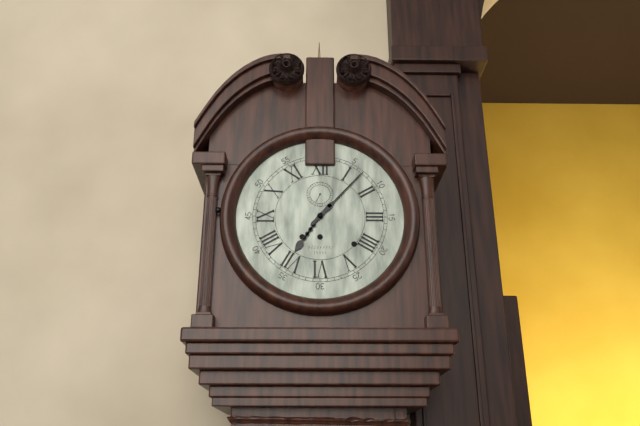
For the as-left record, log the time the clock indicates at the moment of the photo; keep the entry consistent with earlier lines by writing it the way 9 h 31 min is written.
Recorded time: 7 h 07 min
